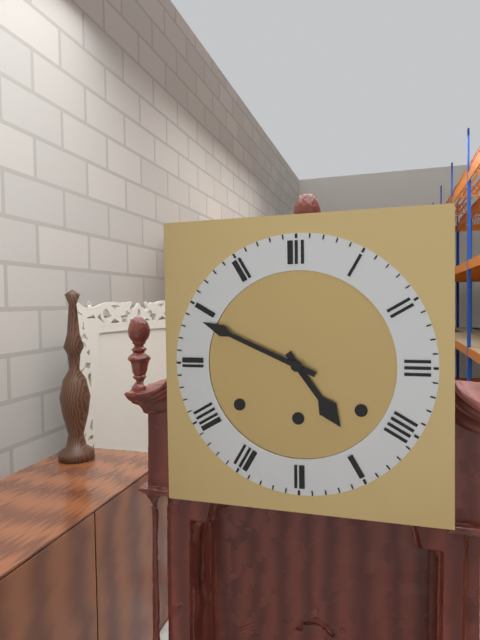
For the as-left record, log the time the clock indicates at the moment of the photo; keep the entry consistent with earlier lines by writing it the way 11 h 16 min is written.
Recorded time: 4 h 49 min
